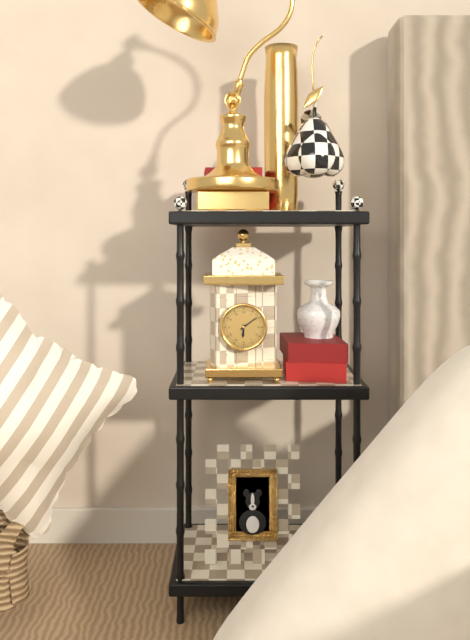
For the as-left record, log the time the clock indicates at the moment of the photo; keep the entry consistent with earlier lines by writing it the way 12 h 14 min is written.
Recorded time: 6 h 09 min
